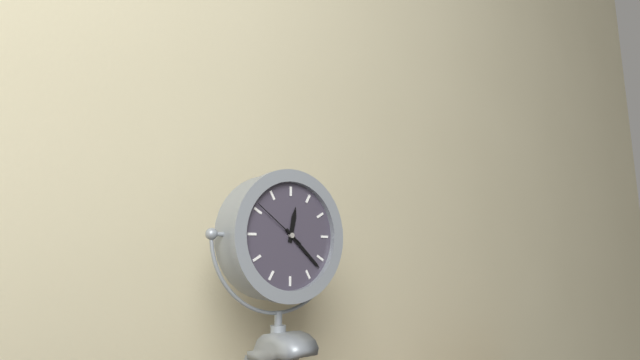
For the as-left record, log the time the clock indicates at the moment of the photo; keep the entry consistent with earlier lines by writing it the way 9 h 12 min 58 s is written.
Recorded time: 12 h 22 min 51 s
